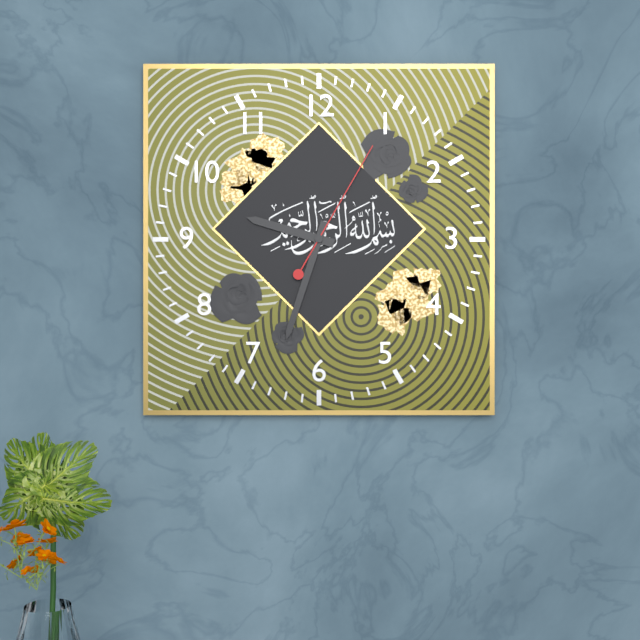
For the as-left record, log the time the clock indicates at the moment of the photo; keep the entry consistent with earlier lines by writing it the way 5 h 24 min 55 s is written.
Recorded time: 9 h 33 min 05 s
